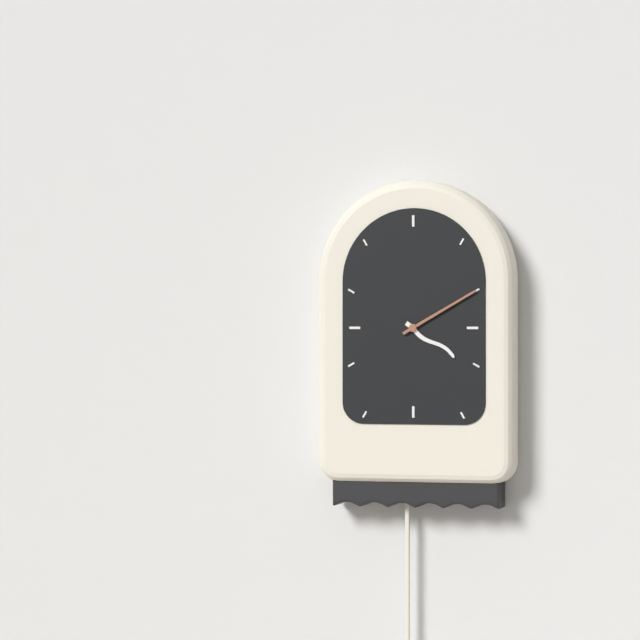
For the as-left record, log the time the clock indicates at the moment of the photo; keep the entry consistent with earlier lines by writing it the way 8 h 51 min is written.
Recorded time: 4 h 10 min
